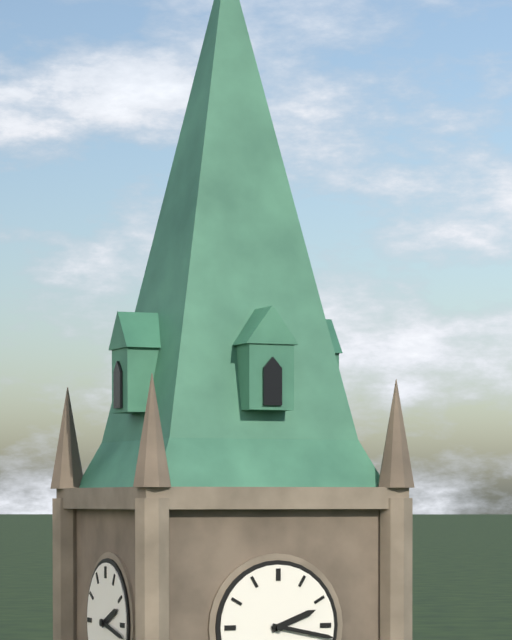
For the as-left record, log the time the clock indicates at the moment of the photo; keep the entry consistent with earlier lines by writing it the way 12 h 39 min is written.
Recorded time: 2 h 17 min
